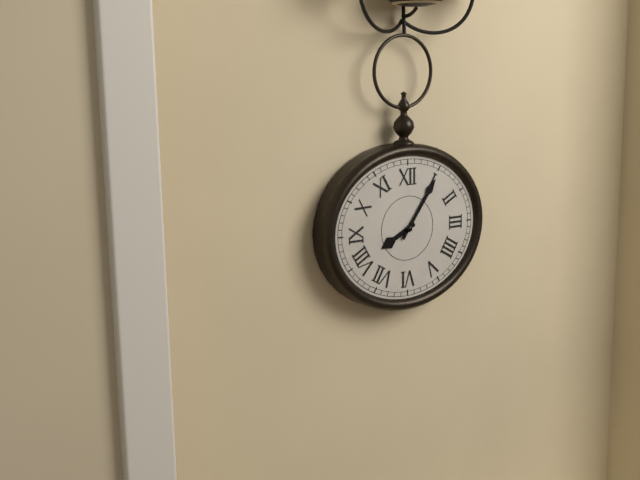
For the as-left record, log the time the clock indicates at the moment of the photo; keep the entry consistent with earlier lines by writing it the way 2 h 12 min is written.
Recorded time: 8 h 06 min
